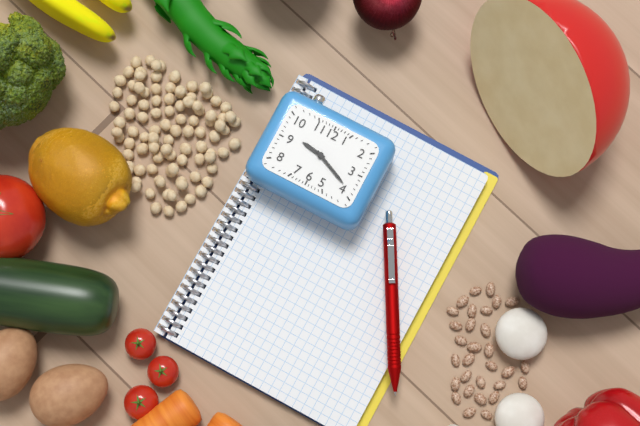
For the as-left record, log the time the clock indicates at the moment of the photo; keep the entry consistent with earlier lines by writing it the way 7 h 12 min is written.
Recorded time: 9 h 19 min
